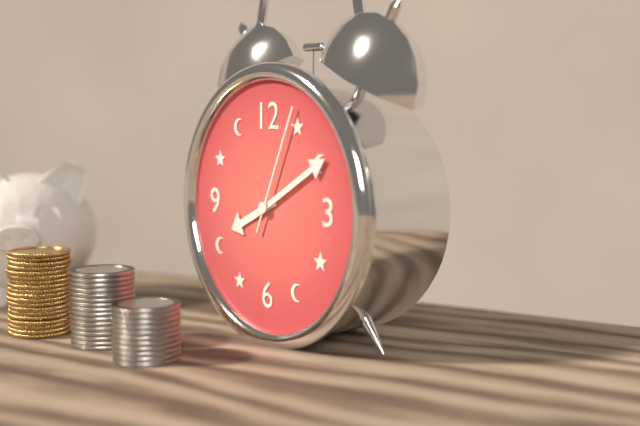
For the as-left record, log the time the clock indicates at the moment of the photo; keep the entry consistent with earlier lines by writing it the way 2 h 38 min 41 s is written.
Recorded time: 8 h 10 min 04 s
